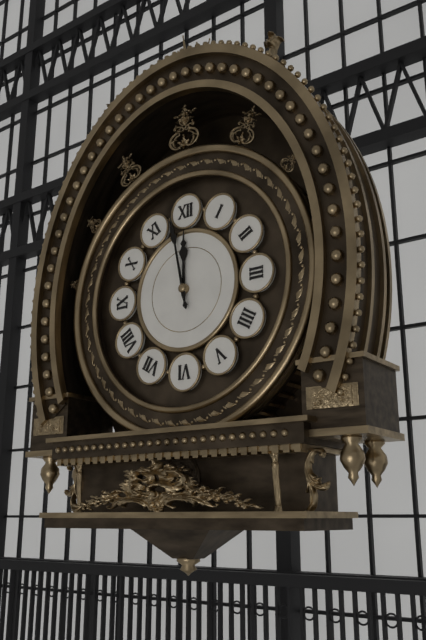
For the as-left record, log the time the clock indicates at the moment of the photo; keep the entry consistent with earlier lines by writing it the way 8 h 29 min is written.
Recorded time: 11 h 58 min
